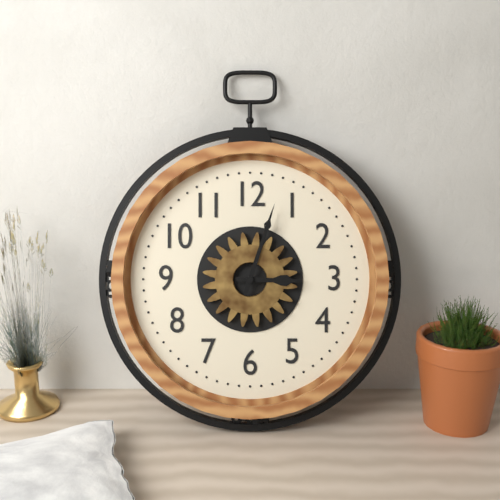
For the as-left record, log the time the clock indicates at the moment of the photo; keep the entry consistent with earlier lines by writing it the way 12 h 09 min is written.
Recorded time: 3 h 03 min
